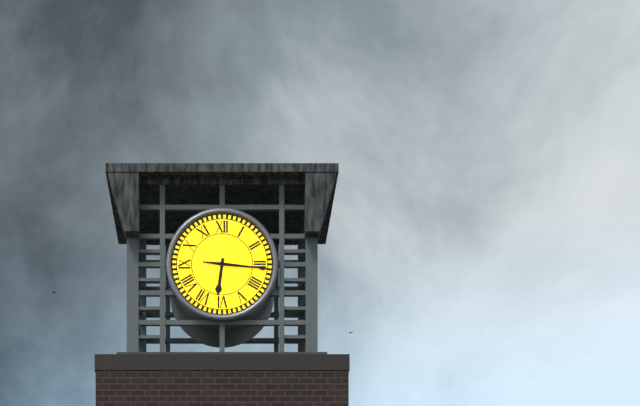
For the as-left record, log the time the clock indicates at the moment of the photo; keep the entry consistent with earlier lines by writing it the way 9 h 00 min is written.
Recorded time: 6 h 16 min
